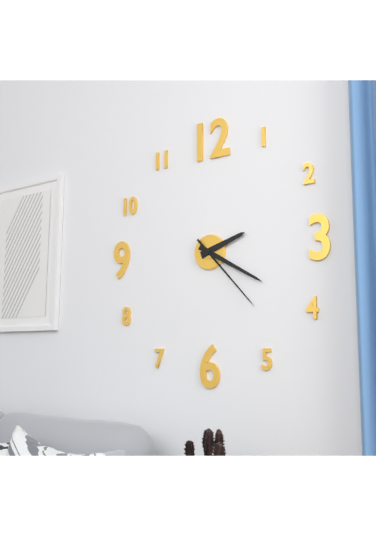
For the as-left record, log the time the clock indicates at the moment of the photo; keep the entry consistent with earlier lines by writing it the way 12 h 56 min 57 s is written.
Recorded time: 2 h 20 min 23 s
